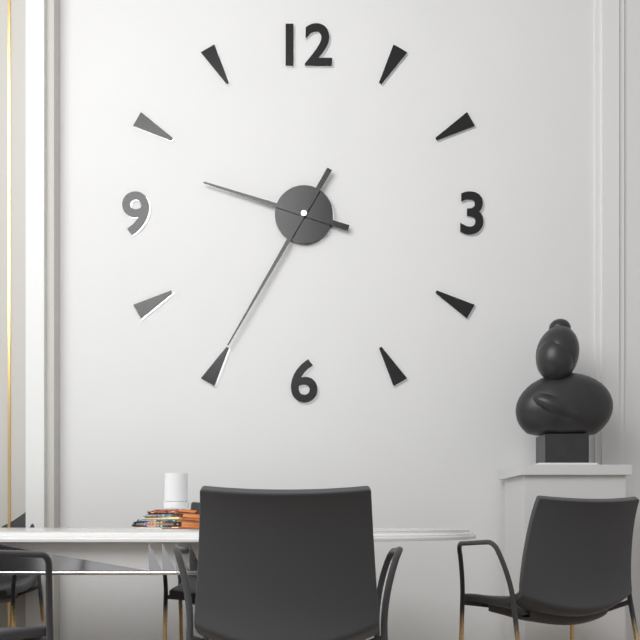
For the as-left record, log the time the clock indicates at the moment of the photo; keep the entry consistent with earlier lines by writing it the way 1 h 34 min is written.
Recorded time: 9 h 35 min
